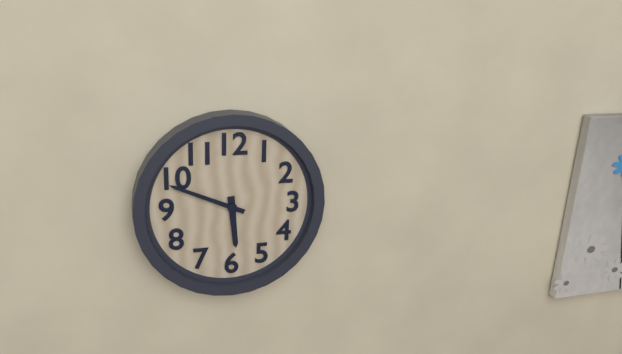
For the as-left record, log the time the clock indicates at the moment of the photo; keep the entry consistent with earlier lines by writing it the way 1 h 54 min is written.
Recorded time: 5 h 49 min
